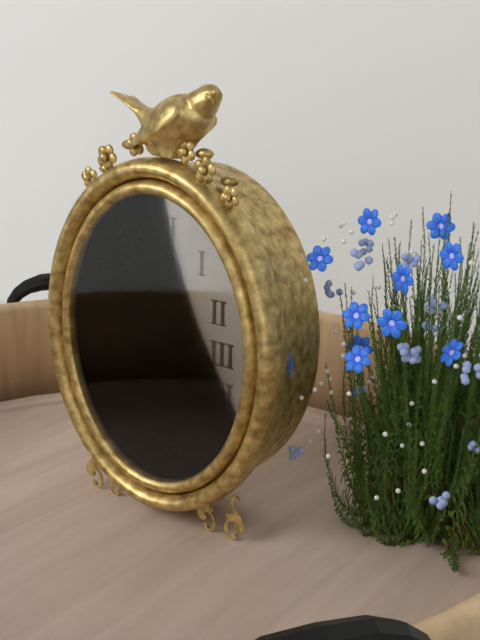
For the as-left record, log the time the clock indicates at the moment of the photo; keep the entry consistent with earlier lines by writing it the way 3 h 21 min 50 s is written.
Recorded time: 3 h 28 min 54 s
